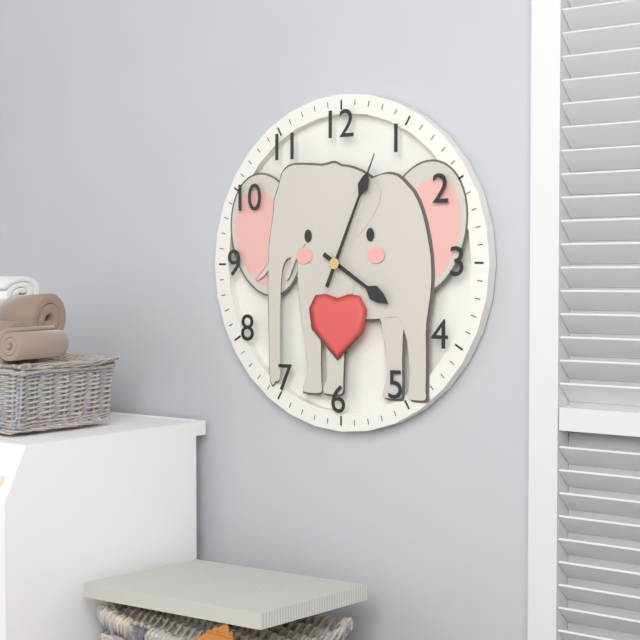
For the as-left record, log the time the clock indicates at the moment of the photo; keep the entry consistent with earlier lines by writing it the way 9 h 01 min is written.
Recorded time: 4 h 04 min
